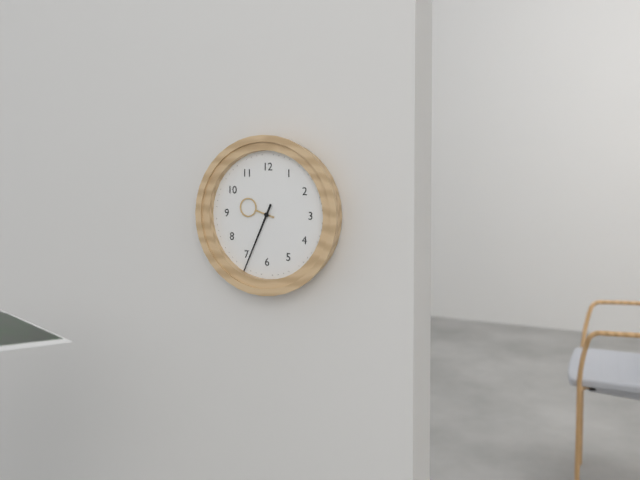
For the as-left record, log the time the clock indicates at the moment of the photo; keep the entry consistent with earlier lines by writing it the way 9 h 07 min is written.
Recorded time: 9 h 34 min
